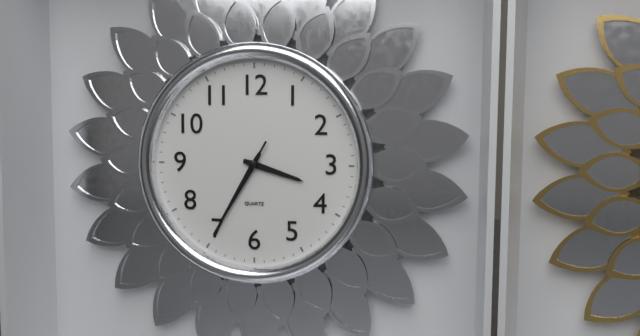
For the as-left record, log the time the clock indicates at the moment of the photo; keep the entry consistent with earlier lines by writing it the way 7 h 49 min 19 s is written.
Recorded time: 3 h 35 min 35 s
